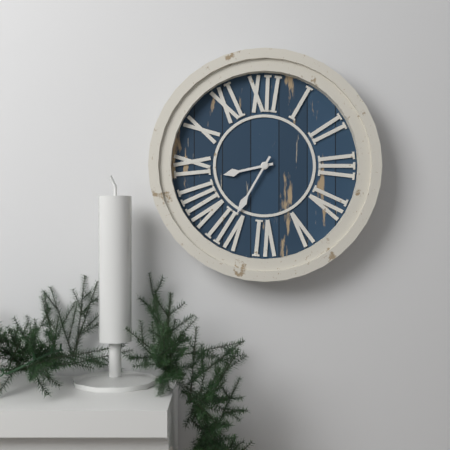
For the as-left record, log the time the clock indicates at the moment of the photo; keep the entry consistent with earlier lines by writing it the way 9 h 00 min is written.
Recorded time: 8 h 35 min
